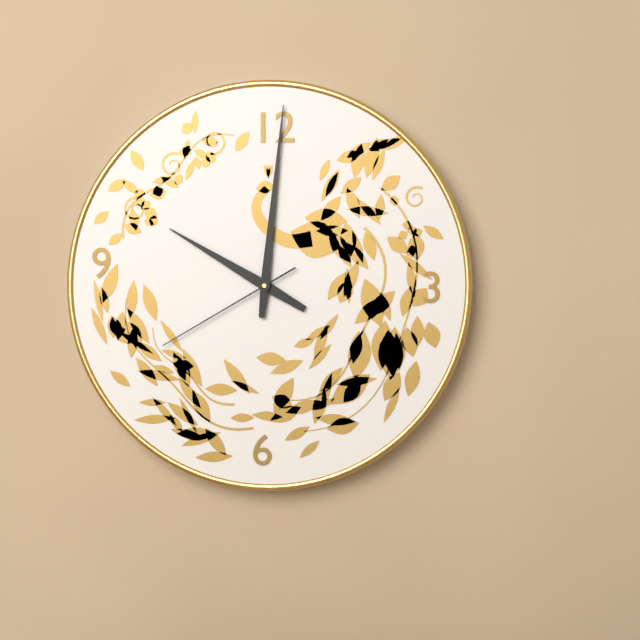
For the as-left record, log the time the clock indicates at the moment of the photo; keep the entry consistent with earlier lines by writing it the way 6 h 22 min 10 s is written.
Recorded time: 10 h 01 min 40 s
